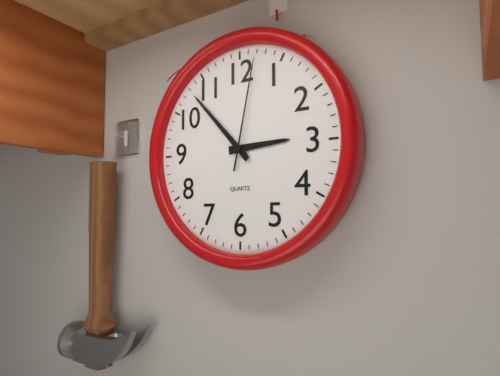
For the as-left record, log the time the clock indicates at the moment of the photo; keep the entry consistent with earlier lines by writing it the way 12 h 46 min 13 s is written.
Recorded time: 2 h 53 min 02 s
